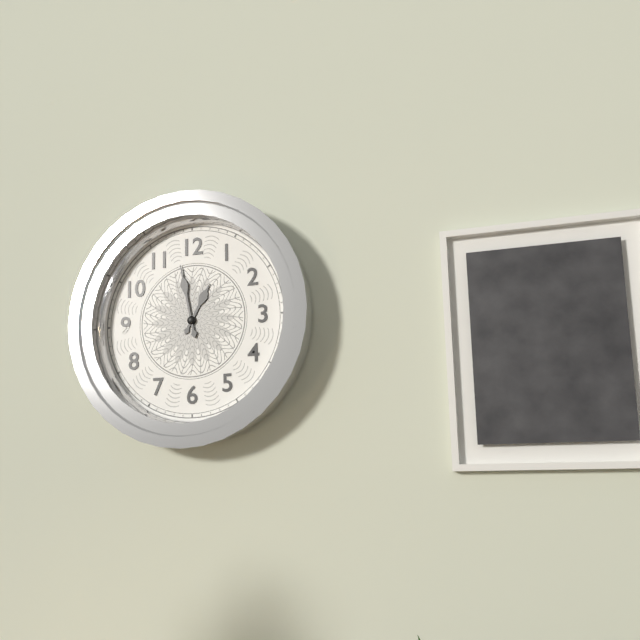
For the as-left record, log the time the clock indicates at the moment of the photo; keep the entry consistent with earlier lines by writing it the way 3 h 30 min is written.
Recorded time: 12 h 58 min
